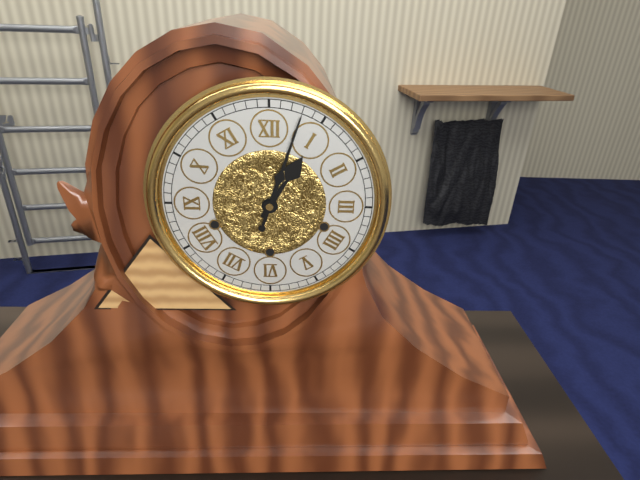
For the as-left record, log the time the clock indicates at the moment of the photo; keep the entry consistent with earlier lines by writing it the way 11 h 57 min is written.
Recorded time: 1 h 03 min
